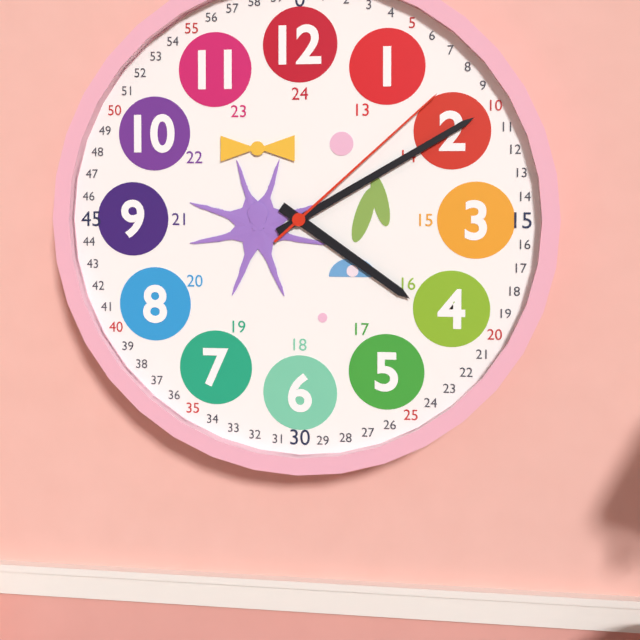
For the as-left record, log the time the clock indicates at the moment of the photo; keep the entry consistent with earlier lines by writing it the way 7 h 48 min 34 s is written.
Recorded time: 4 h 10 min 08 s
